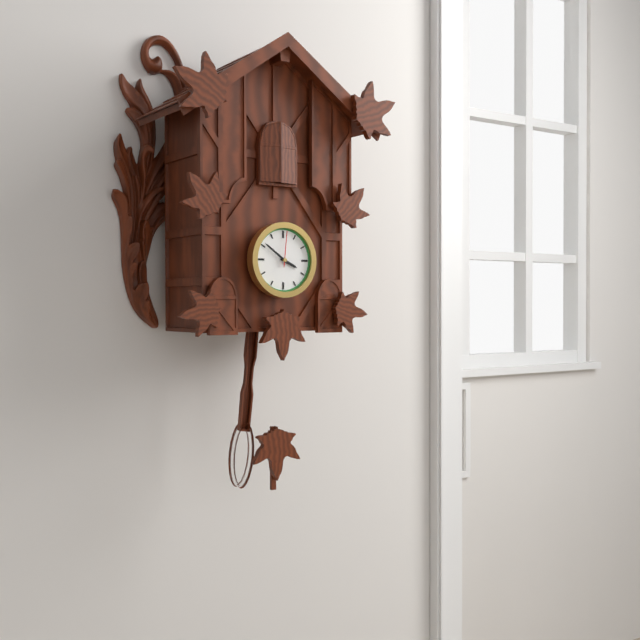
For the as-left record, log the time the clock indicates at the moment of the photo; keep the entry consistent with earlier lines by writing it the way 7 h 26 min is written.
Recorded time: 3 h 51 min
